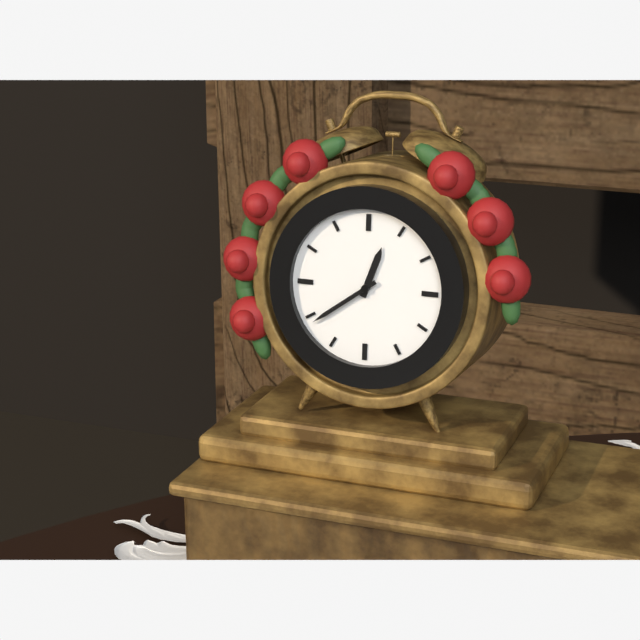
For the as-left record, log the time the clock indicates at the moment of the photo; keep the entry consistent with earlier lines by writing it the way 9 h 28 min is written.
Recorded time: 12 h 39 min
